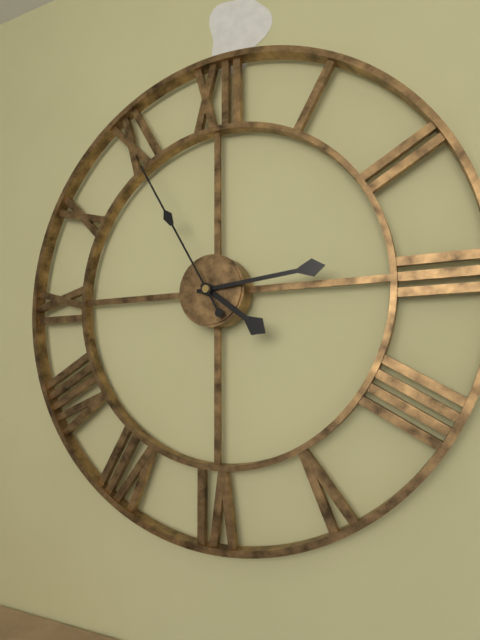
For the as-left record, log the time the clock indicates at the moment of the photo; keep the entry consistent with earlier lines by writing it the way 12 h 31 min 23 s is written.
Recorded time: 4 h 14 min 55 s
